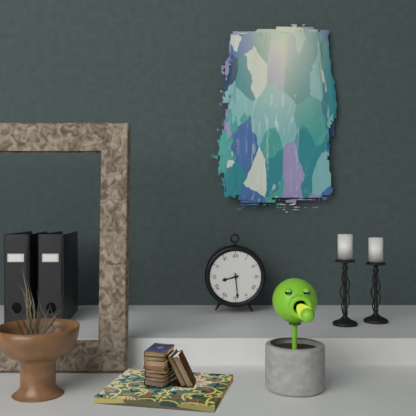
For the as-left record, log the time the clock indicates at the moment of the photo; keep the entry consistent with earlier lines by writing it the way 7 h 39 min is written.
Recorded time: 8 h 29 min
